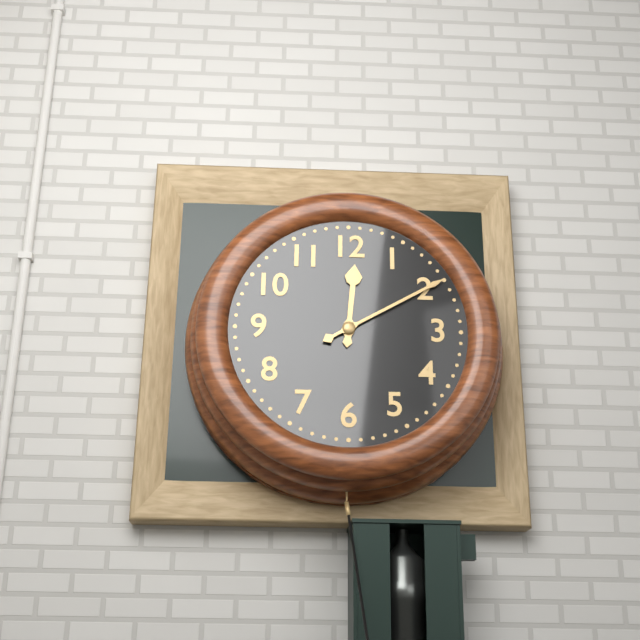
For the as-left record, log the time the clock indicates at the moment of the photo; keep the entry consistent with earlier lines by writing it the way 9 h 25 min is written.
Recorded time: 12 h 10 min
